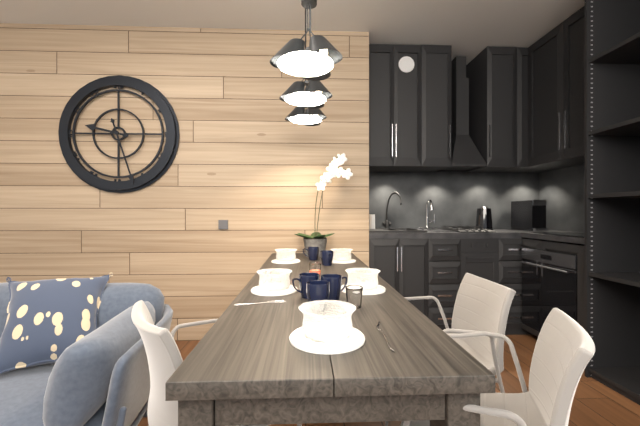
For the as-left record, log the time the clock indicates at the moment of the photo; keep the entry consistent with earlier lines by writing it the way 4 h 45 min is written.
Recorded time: 9 h 27 min
